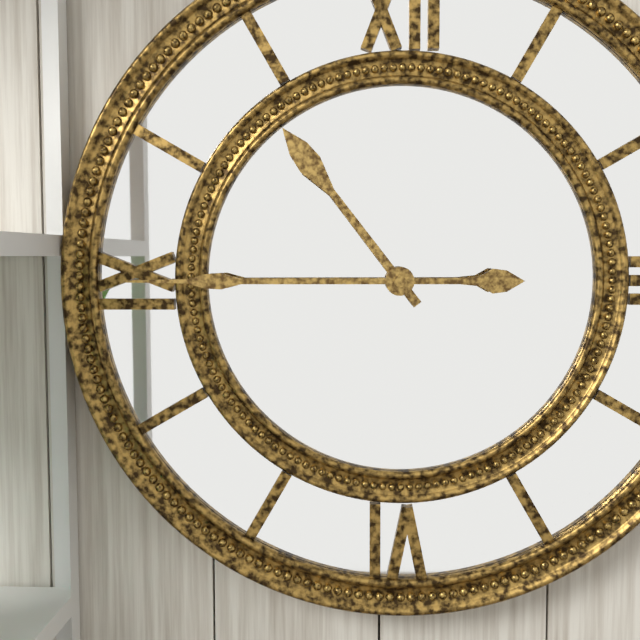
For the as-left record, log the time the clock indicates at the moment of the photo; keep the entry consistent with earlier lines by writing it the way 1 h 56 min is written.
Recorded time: 10 h 45 min
